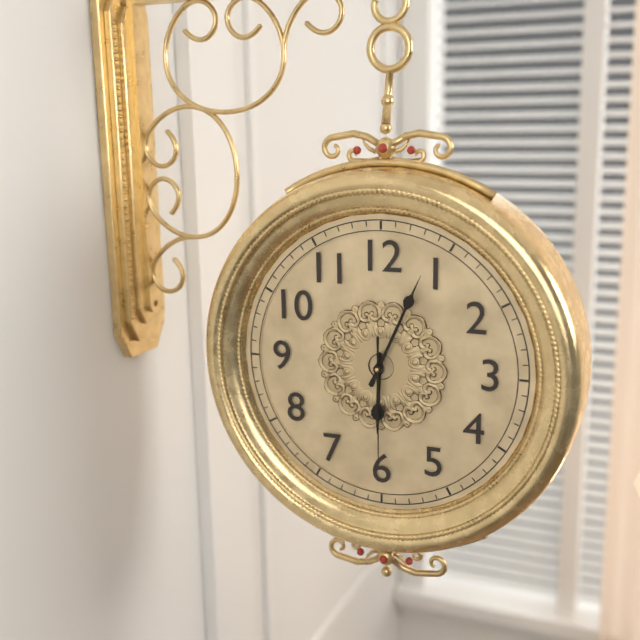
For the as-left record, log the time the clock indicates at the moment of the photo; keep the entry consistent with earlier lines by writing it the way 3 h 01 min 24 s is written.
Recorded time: 6 h 04 min 30 s
